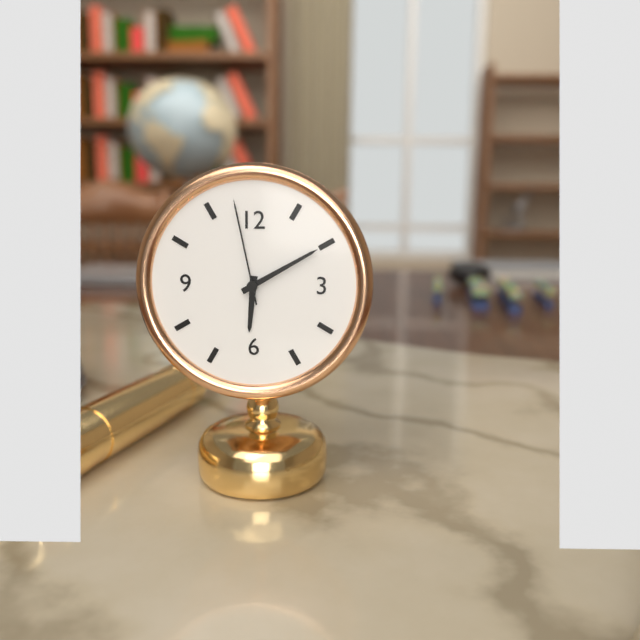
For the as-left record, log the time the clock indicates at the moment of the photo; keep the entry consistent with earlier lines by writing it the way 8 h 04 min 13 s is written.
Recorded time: 6 h 10 min 58 s
